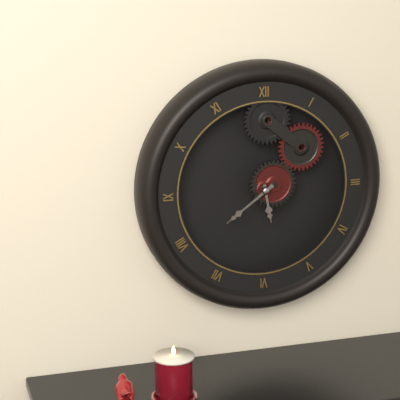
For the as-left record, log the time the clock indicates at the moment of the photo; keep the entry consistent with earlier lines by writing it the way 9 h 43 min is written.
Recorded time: 5 h 39 min
